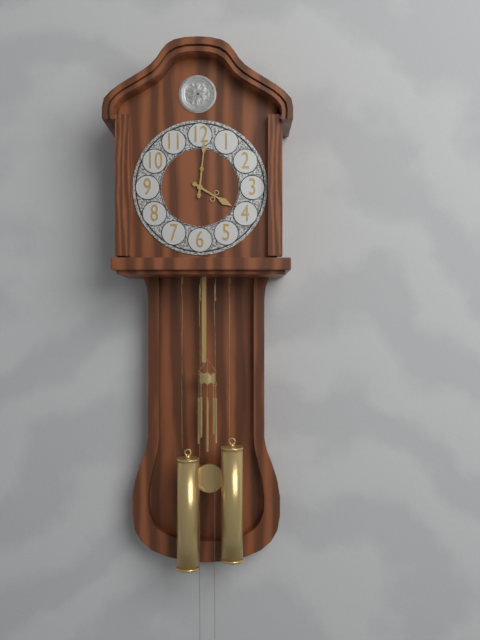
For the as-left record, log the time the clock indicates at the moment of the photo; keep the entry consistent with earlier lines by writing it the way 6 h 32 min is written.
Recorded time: 4 h 01 min
